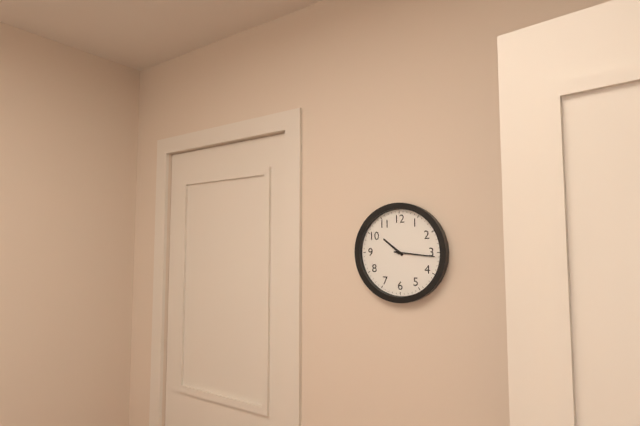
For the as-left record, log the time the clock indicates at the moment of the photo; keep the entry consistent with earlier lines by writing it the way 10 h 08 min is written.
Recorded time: 10 h 16 min
